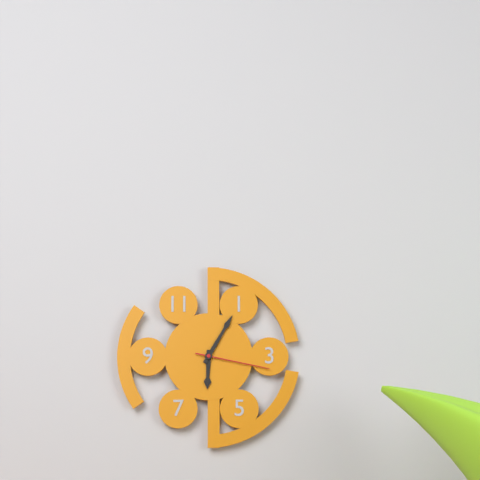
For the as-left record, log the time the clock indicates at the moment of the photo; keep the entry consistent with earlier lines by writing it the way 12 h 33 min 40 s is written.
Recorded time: 6 h 05 min 17 s
